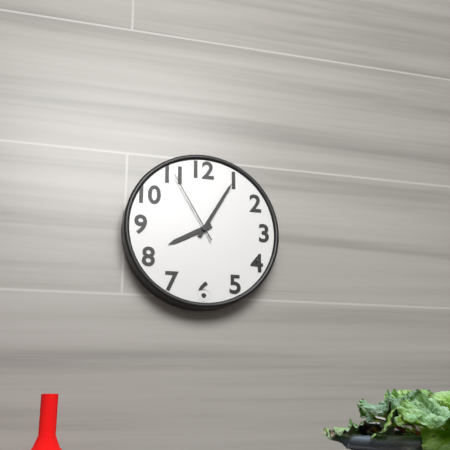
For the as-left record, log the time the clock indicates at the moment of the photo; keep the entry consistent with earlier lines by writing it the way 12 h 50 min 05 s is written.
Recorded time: 8 h 05 min 55 s
